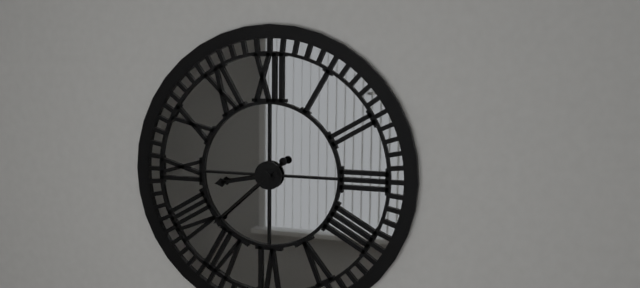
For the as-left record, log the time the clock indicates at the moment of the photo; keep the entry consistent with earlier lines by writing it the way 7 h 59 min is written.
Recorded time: 8 h 38 min
